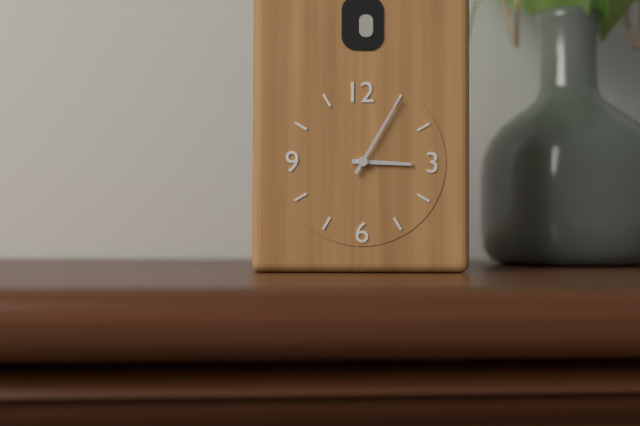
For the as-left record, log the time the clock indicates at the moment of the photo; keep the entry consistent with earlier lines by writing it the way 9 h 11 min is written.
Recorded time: 3 h 05 min
